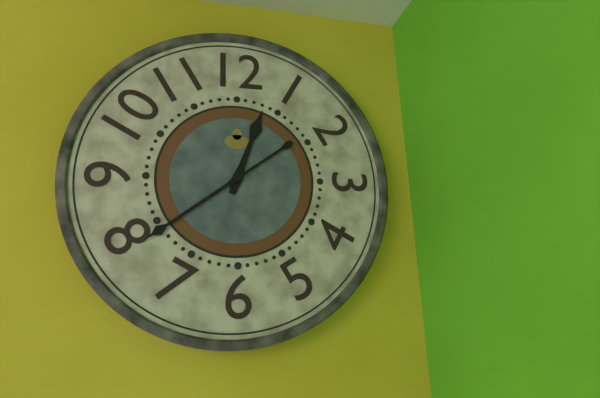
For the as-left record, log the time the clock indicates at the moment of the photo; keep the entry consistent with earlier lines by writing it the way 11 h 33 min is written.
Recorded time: 12 h 39 min
